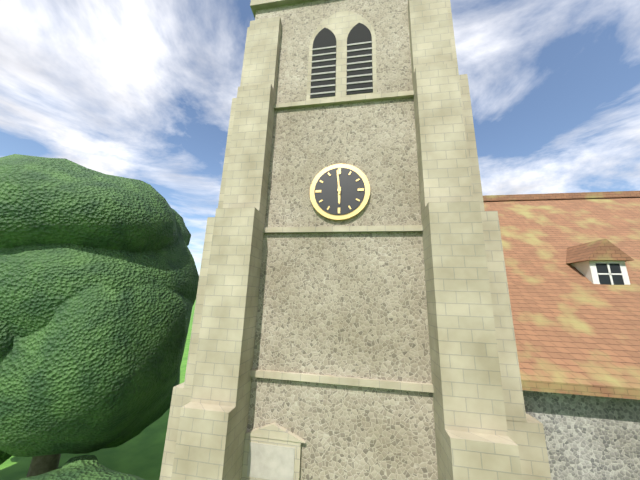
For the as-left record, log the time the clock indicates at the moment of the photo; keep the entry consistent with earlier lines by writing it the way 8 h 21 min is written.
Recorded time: 5 h 59 min
